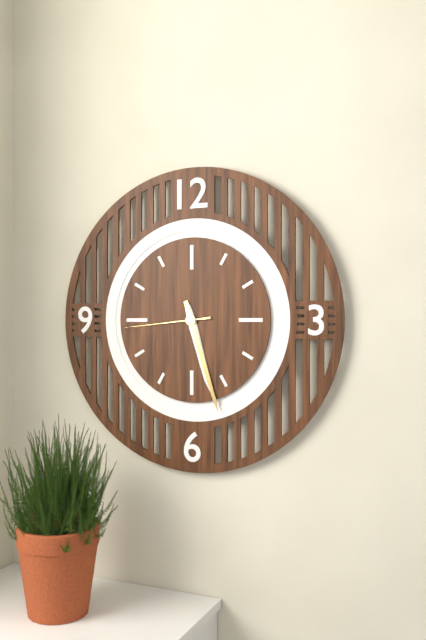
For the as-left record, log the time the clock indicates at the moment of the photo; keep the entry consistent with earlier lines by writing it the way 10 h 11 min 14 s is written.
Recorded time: 5 h 27 min 44 s
